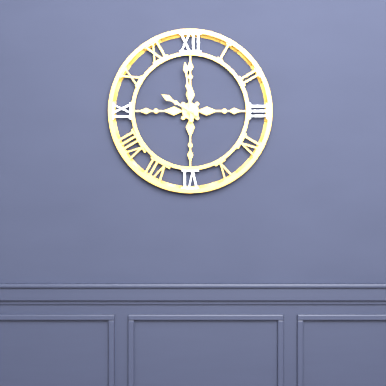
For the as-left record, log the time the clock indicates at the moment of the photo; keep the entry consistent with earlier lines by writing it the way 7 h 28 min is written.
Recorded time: 9 h 59 min
